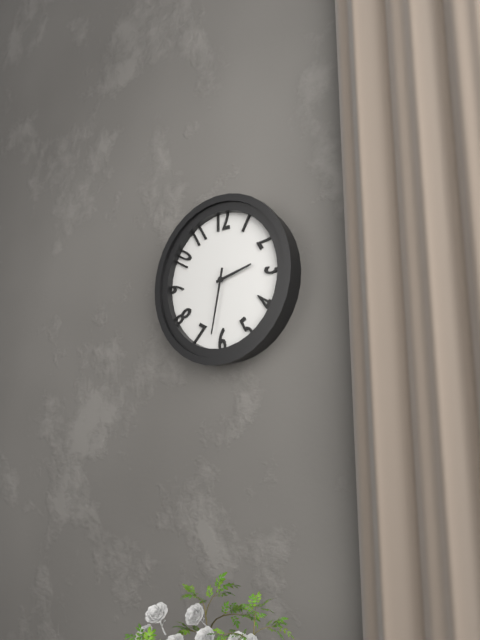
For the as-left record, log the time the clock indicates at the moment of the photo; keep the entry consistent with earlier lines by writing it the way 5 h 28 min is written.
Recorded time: 2 h 32 min
